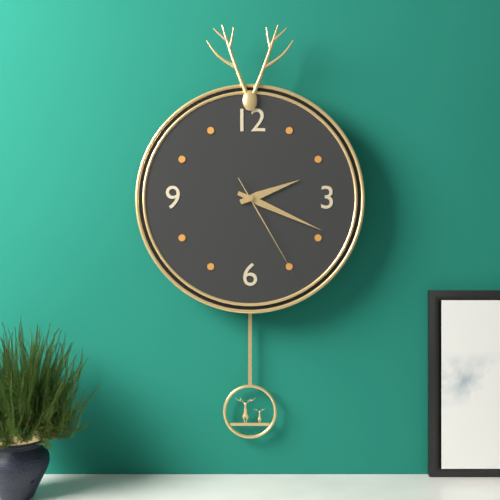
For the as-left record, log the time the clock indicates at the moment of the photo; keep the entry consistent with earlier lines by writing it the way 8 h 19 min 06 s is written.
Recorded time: 2 h 19 min 25 s
